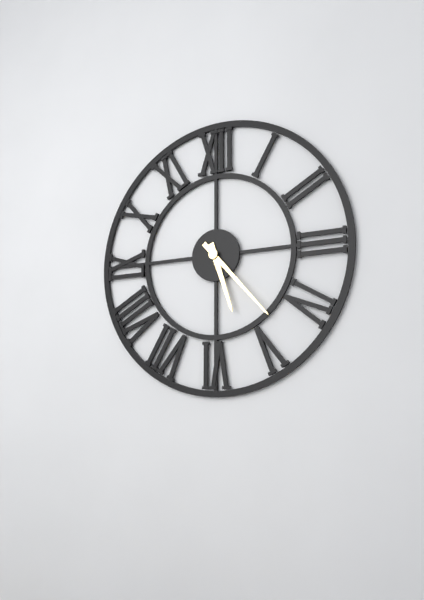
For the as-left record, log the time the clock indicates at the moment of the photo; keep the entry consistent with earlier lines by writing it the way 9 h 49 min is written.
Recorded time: 5 h 23 min
